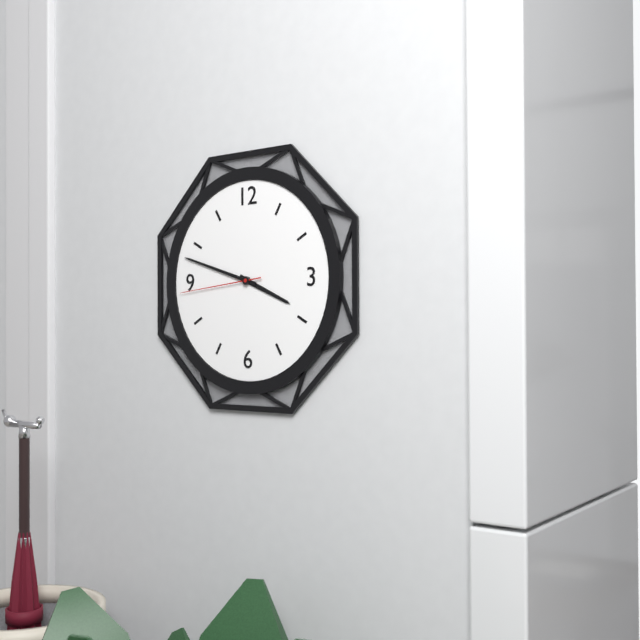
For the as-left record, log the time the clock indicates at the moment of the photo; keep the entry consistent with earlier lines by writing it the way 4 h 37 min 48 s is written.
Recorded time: 3 h 48 min 44 s
